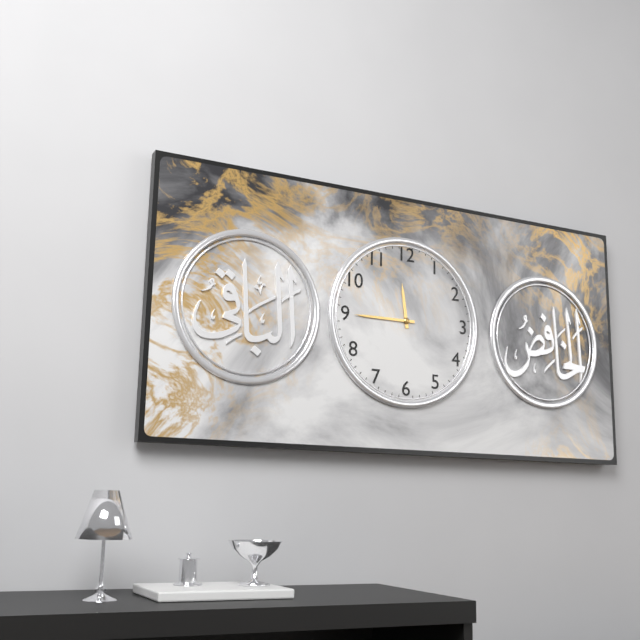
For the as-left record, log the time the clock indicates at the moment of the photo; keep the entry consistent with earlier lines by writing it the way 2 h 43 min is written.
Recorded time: 11 h 45 min
